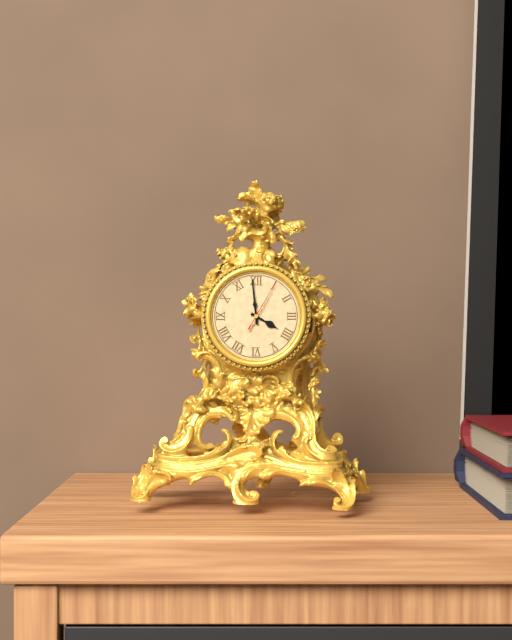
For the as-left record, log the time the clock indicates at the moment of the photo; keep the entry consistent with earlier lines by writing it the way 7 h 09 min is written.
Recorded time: 3 h 59 min
